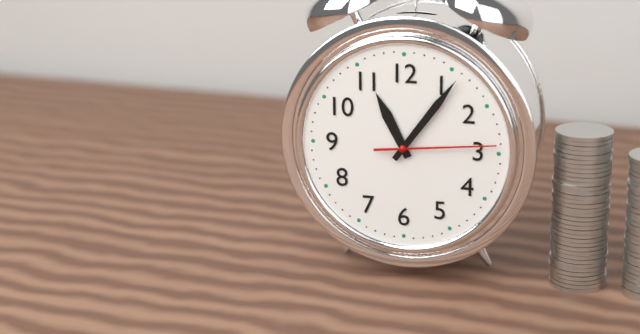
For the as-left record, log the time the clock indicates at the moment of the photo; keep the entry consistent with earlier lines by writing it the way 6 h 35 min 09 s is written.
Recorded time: 11 h 06 min 14 s
